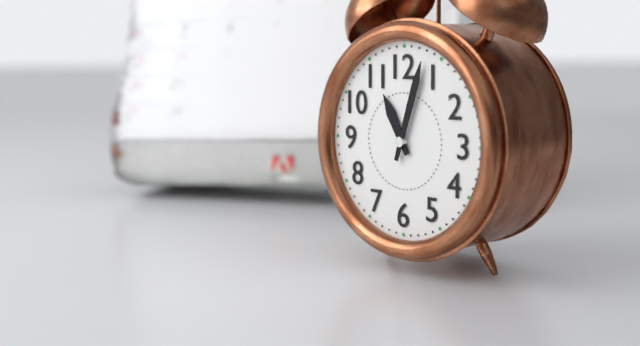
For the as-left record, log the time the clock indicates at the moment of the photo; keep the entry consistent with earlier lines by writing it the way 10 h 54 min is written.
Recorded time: 11 h 03 min
